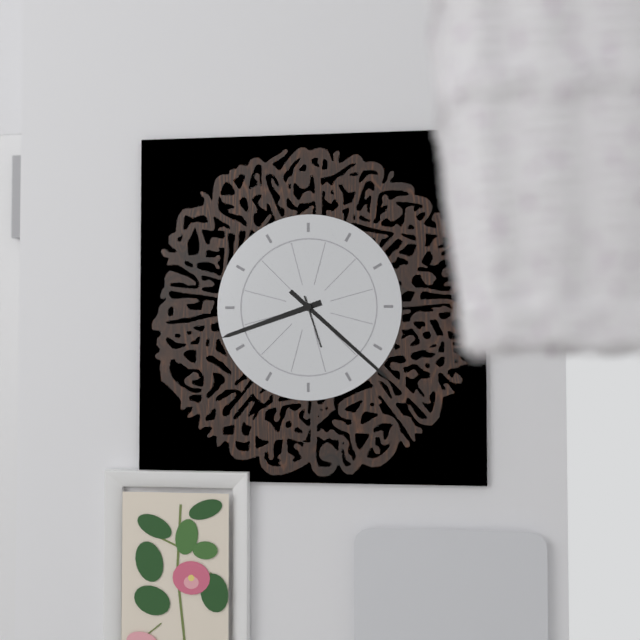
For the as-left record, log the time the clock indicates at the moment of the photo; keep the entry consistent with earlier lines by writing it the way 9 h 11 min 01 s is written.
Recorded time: 8 h 22 min 27 s
